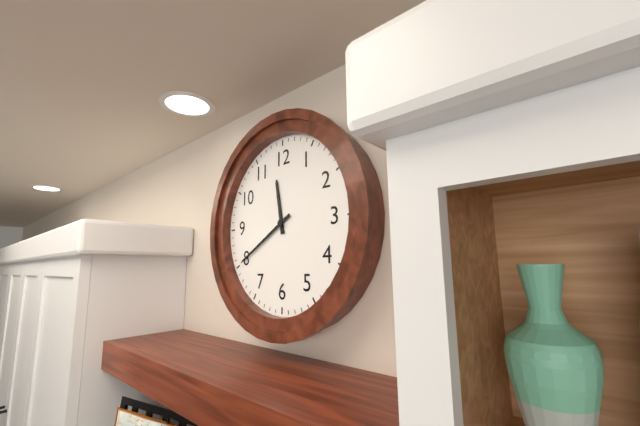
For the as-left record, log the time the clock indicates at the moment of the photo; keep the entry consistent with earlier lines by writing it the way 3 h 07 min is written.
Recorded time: 11 h 40 min
